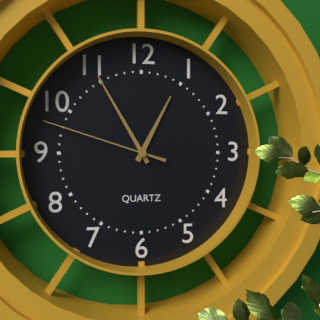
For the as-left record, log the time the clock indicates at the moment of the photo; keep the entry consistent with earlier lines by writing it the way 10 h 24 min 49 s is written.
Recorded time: 12 h 55 min 48 s
